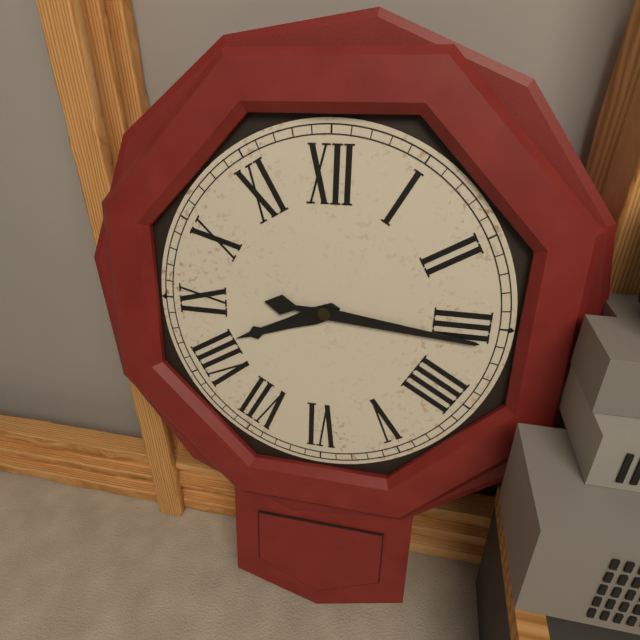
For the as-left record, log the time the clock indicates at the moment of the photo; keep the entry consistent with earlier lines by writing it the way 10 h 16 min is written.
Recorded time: 8 h 16 min
